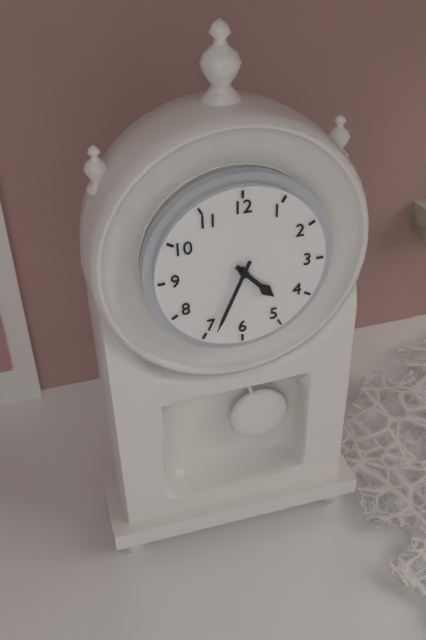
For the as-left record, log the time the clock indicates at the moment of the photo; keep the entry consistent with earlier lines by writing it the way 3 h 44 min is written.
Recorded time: 4 h 34 min
